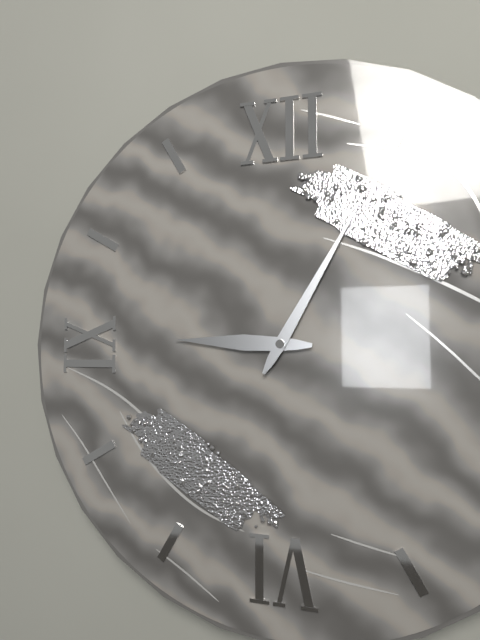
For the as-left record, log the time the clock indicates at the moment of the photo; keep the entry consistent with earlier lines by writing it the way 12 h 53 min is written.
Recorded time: 9 h 05 min
